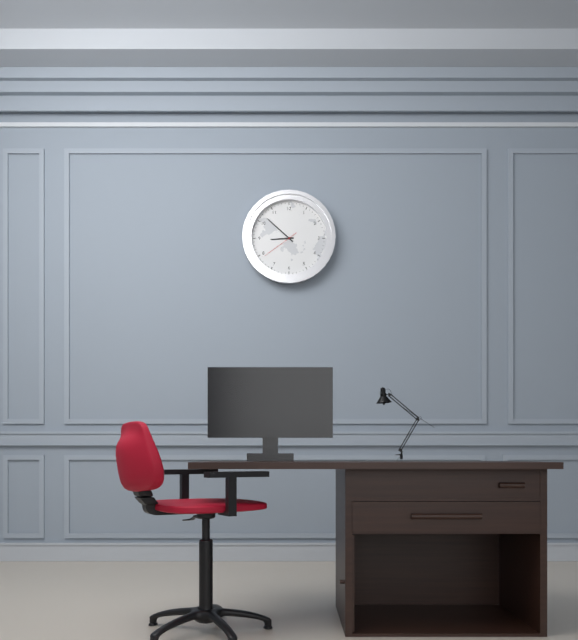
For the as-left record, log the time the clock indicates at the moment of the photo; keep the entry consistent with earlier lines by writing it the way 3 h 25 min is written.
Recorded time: 8 h 52 min
